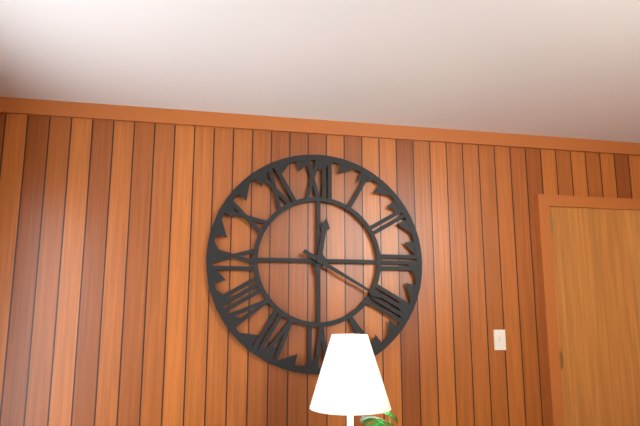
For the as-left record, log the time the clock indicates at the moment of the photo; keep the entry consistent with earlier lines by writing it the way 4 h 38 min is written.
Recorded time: 12 h 20 min
